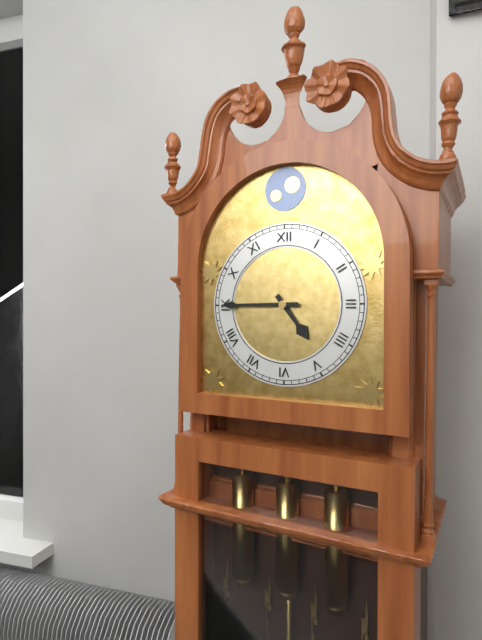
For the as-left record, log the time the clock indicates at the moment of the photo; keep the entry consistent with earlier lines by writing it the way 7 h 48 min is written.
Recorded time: 4 h 45 min
